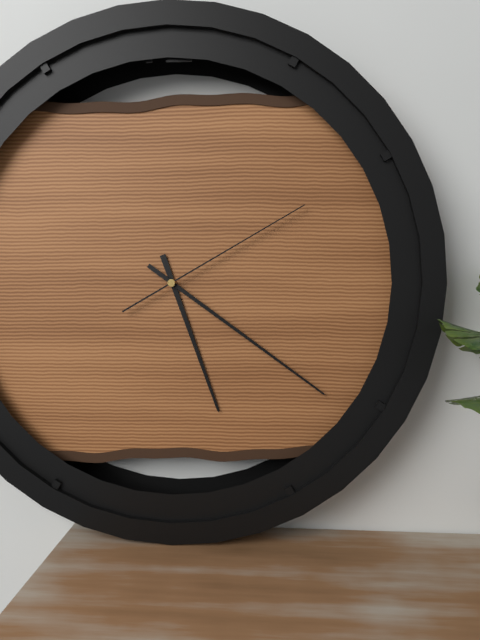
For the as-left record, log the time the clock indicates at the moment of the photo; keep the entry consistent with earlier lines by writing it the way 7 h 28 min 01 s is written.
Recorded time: 5 h 21 min 10 s
